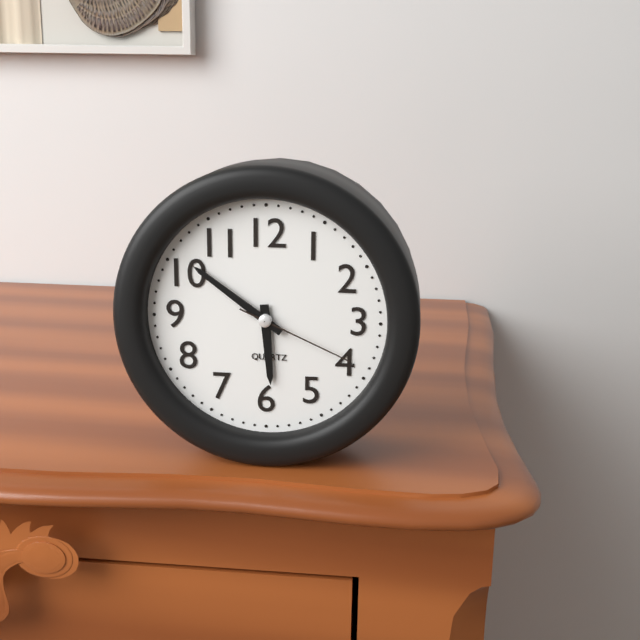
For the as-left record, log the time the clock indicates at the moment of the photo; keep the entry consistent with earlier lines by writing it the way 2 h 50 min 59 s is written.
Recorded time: 5 h 51 min 19 s
